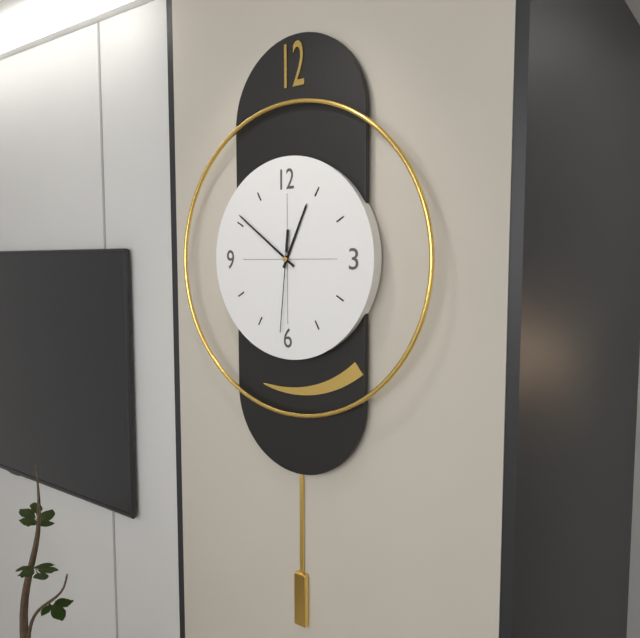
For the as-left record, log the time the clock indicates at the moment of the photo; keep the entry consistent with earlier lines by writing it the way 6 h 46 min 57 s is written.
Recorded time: 12 h 51 min 31 s
